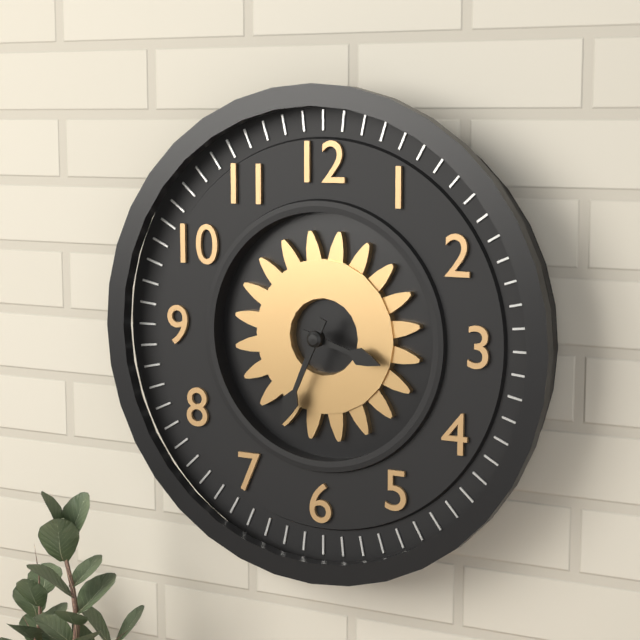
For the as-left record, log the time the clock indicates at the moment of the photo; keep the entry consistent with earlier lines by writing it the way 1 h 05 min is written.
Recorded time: 3 h 34 min
